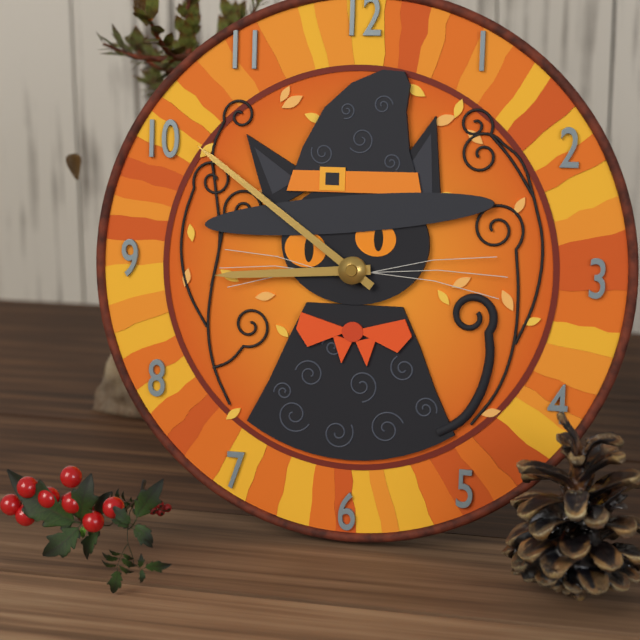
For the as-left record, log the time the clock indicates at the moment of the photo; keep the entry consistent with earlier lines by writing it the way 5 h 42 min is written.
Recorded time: 8 h 51 min
